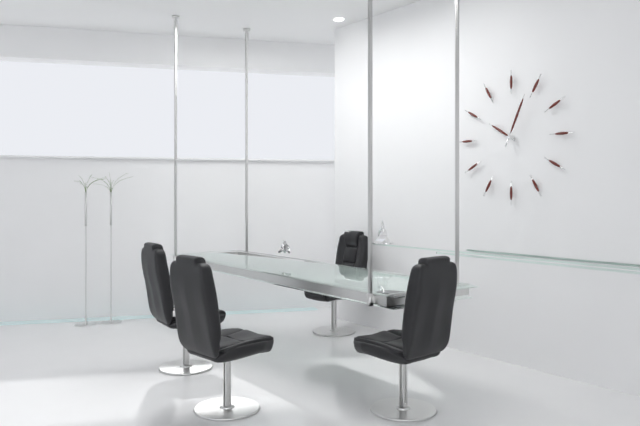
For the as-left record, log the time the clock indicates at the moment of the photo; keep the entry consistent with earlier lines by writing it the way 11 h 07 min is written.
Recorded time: 10 h 04 min
